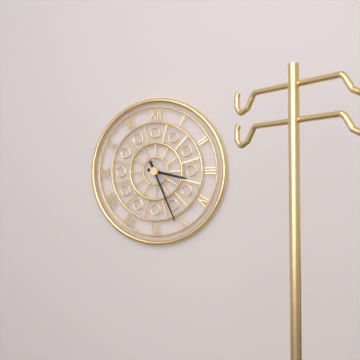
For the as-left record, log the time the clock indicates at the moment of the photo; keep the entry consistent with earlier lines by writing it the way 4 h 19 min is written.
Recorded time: 3 h 26 min
